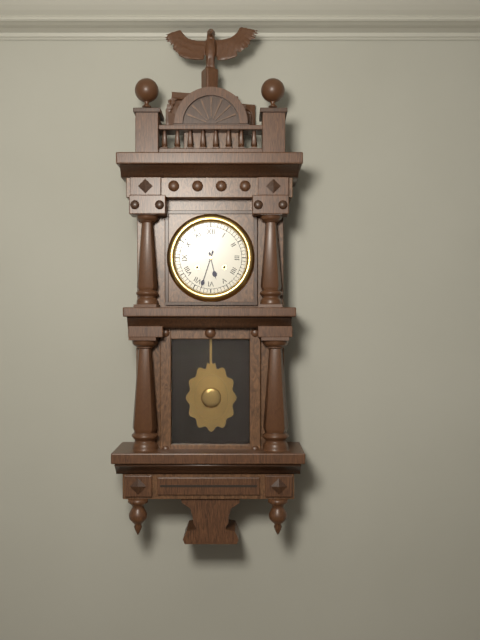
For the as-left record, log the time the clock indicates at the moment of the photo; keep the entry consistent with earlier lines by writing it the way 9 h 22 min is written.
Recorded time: 5 h 33 min
